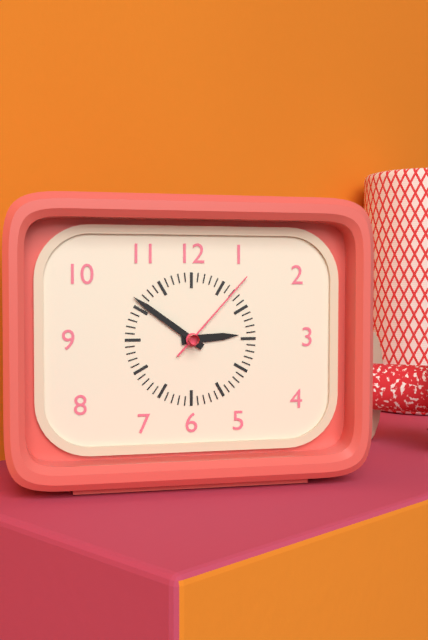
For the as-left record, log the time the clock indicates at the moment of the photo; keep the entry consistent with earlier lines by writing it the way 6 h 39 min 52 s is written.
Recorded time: 2 h 51 min 07 s
